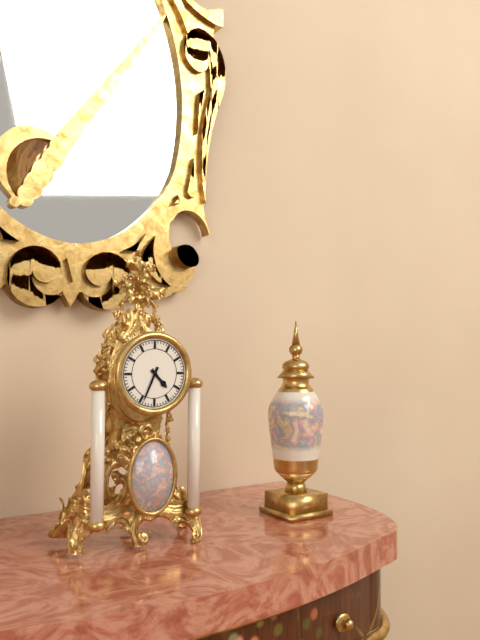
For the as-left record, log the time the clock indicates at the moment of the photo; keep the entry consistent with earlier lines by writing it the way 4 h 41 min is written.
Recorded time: 4 h 34 min
